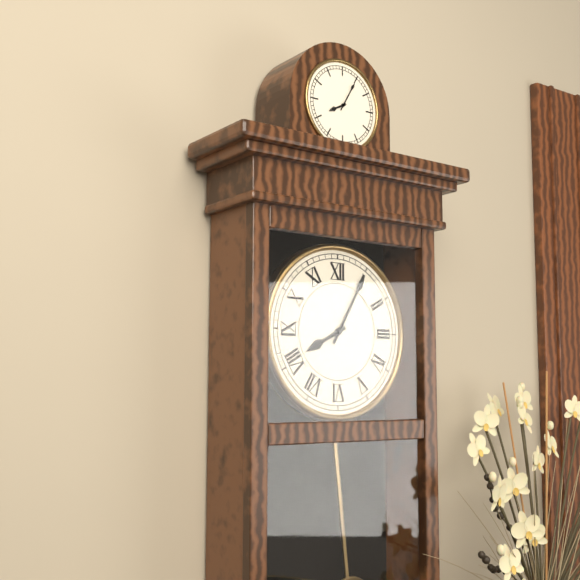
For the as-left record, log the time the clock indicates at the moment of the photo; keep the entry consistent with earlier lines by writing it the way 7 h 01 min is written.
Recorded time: 8 h 05 min
